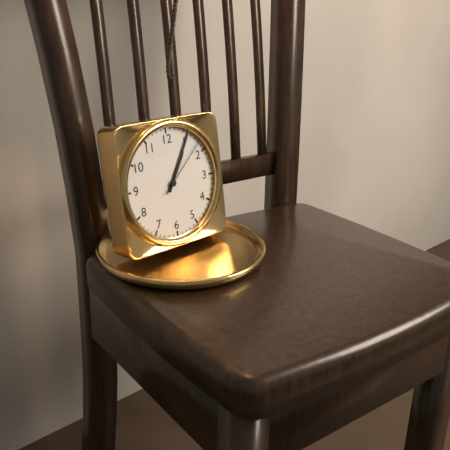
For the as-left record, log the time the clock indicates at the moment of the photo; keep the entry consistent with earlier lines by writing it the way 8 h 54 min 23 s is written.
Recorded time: 1 h 05 min 08 s
